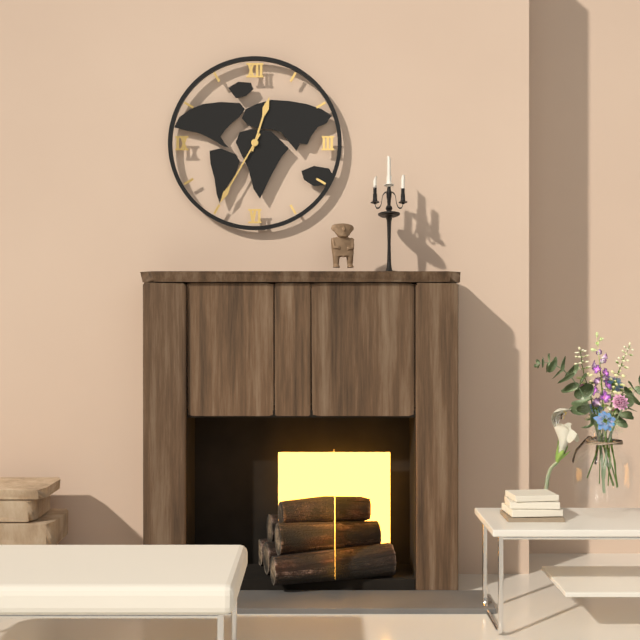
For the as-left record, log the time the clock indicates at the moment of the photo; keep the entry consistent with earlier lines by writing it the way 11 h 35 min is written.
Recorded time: 12 h 35 min
